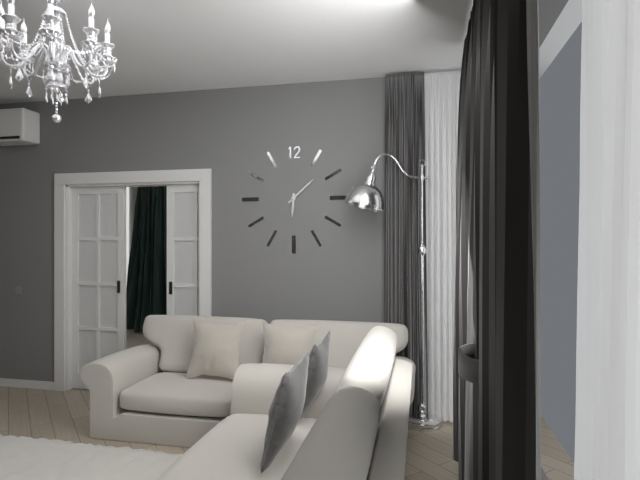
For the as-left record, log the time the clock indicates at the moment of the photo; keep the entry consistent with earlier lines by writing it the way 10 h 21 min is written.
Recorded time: 6 h 08 min
